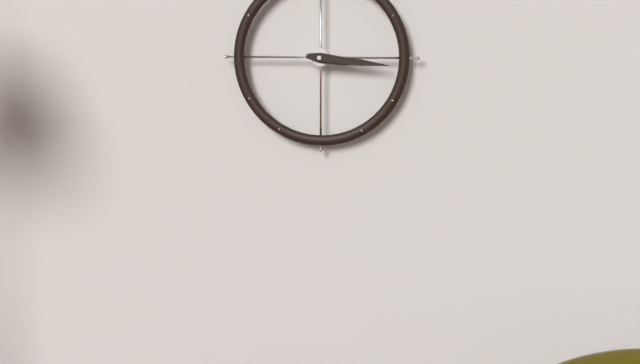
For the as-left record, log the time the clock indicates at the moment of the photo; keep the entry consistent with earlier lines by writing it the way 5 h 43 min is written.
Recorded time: 3 h 16 min
